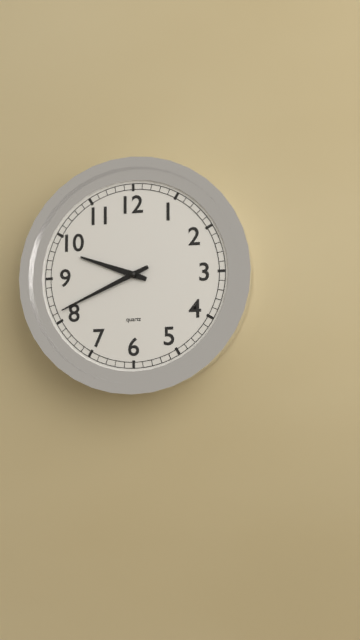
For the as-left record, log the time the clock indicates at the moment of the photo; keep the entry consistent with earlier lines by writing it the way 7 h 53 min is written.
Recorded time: 9 h 41 min
